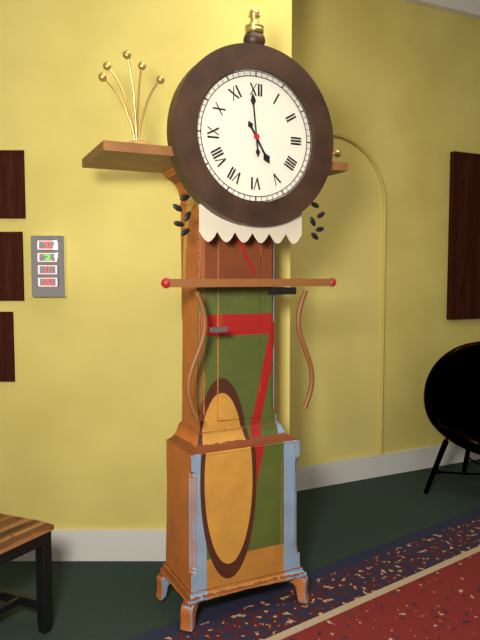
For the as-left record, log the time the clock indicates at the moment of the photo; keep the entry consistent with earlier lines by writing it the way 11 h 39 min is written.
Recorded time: 4 h 59 min
